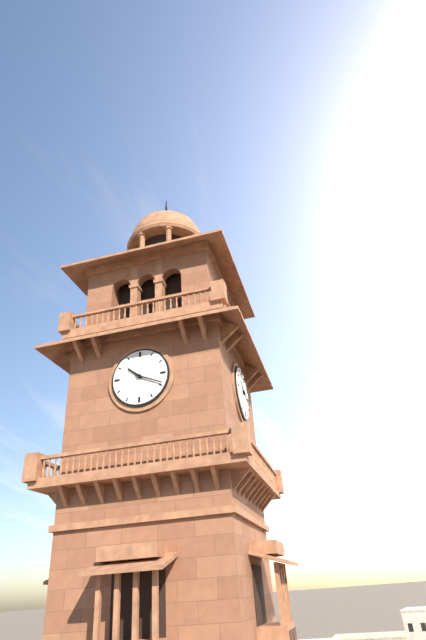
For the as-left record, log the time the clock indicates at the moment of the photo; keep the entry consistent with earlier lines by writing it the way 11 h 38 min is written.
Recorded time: 10 h 19 min
